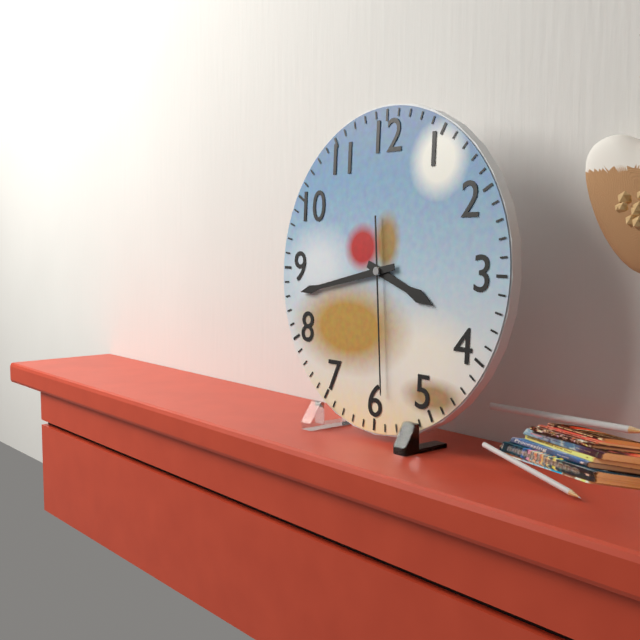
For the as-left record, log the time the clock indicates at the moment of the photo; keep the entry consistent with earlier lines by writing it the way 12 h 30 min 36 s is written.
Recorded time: 3 h 43 min 29 s
